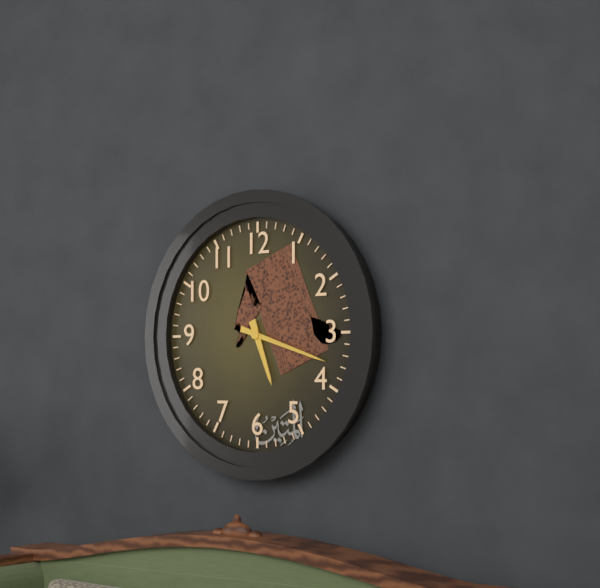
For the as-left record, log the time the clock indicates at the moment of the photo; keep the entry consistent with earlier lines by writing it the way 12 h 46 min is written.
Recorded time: 5 h 18 min
